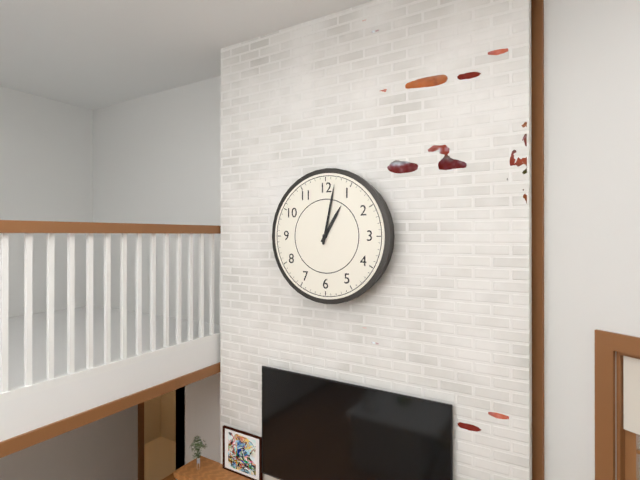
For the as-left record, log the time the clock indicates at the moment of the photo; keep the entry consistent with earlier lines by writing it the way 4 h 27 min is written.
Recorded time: 1 h 02 min
